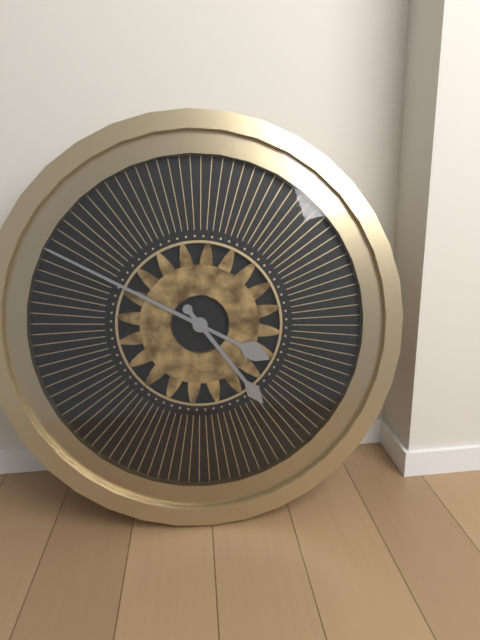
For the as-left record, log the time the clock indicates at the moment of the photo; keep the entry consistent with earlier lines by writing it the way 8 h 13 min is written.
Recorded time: 4 h 50 min
